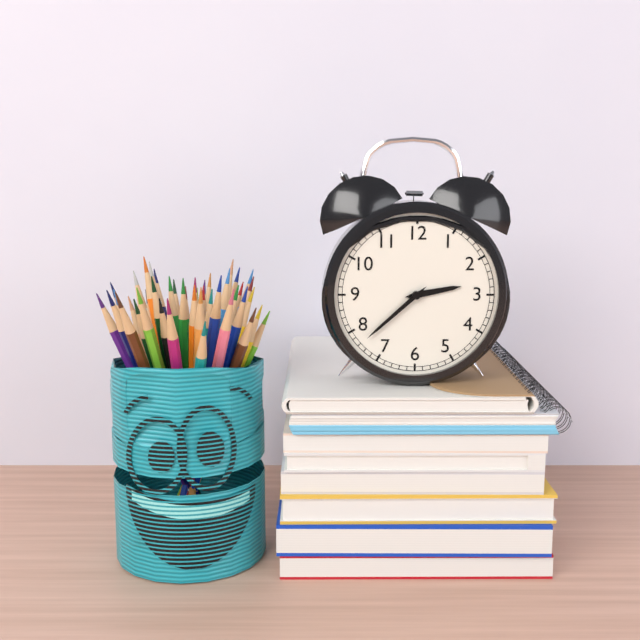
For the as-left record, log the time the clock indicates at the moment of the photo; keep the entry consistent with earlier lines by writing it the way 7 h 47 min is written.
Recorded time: 2 h 38 min
